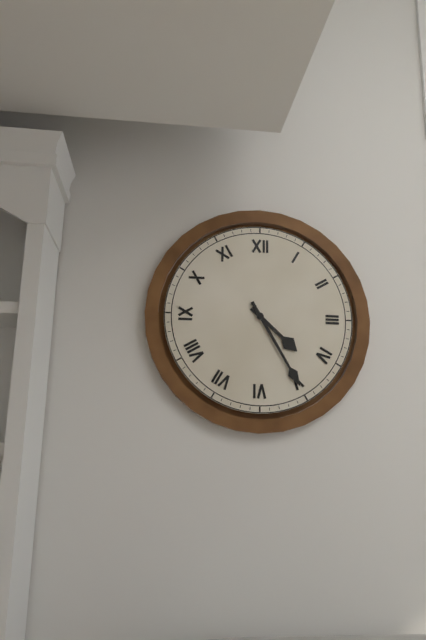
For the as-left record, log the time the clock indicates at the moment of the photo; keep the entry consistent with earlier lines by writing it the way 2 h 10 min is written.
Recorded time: 4 h 25 min
